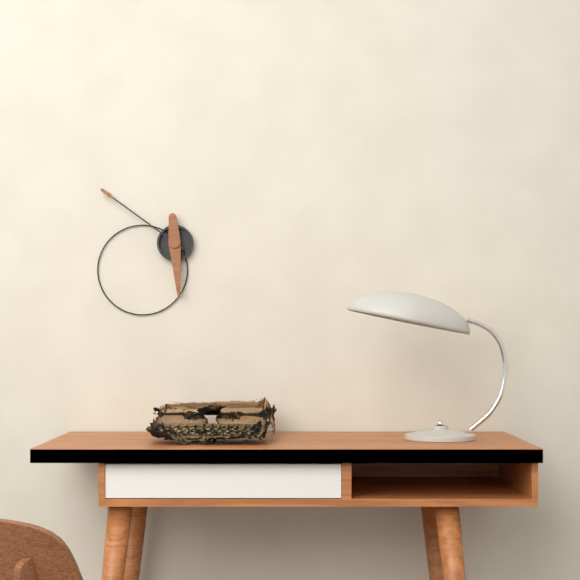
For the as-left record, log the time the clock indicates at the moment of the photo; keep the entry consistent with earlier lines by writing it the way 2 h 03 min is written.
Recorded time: 5 h 51 min
